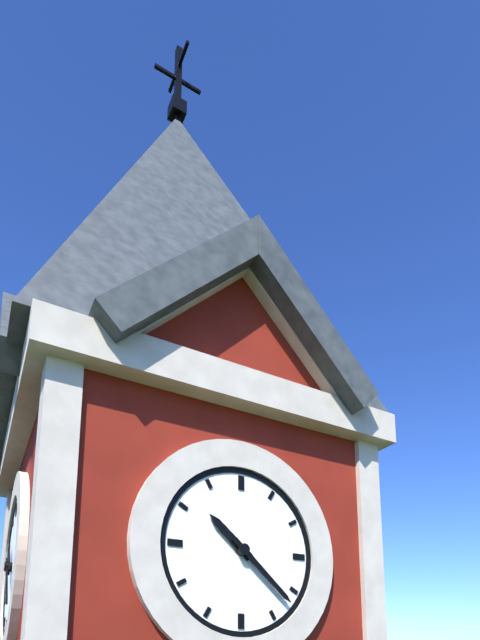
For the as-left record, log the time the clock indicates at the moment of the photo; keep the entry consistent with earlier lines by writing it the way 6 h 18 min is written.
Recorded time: 10 h 22 min
